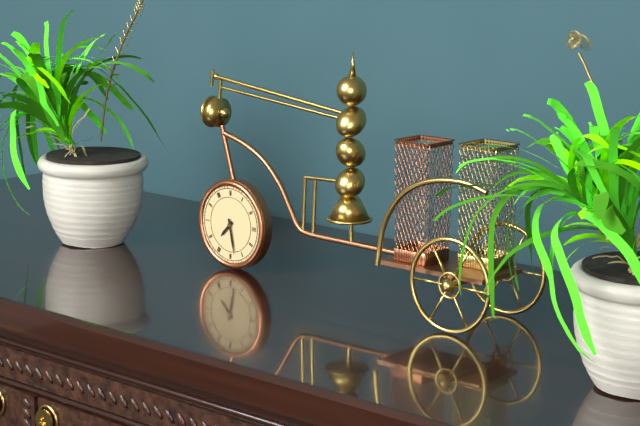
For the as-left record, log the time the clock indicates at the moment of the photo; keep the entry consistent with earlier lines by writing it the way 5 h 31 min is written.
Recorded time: 7 h 28 min
